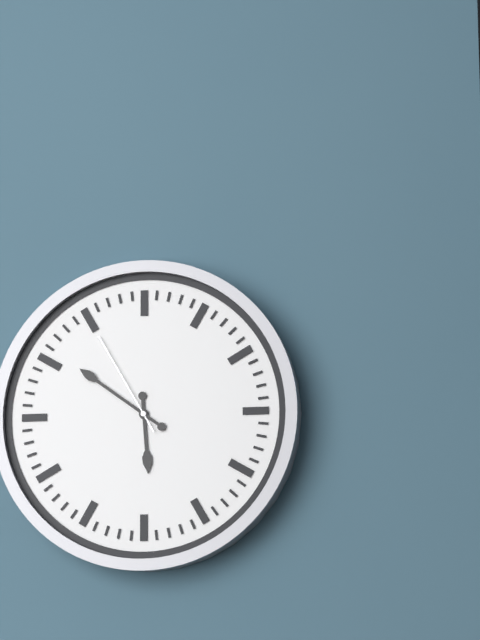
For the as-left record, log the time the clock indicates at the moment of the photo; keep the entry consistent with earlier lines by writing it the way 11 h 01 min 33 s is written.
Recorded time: 5 h 51 min 55 s
